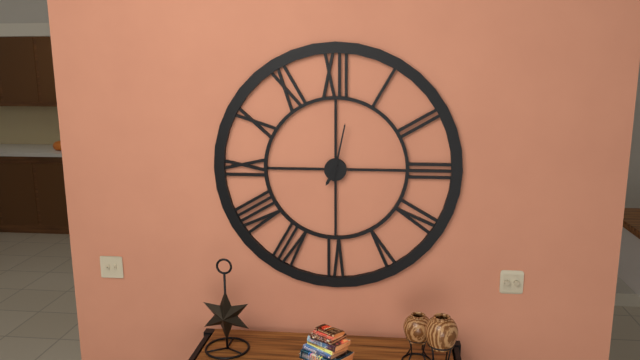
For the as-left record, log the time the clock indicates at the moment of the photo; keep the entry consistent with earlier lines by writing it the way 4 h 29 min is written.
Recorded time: 7 h 02 min
